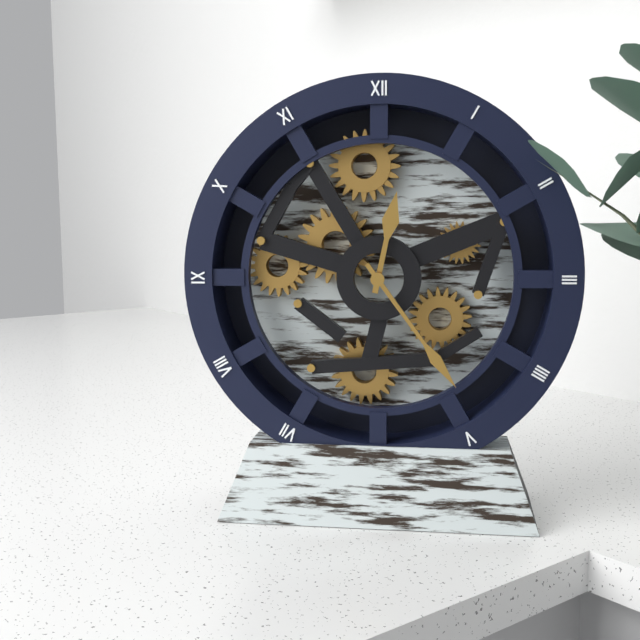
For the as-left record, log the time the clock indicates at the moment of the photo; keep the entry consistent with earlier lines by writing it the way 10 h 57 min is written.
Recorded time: 12 h 24 min
